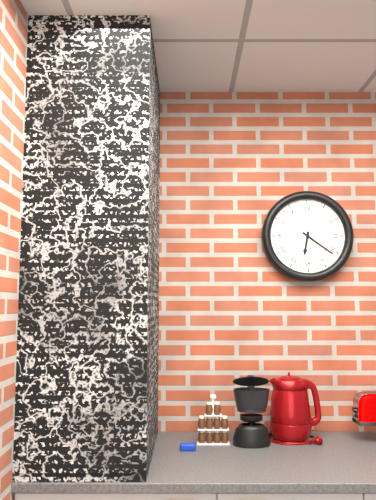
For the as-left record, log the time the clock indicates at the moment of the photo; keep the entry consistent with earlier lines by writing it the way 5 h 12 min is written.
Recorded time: 6 h 21 min
